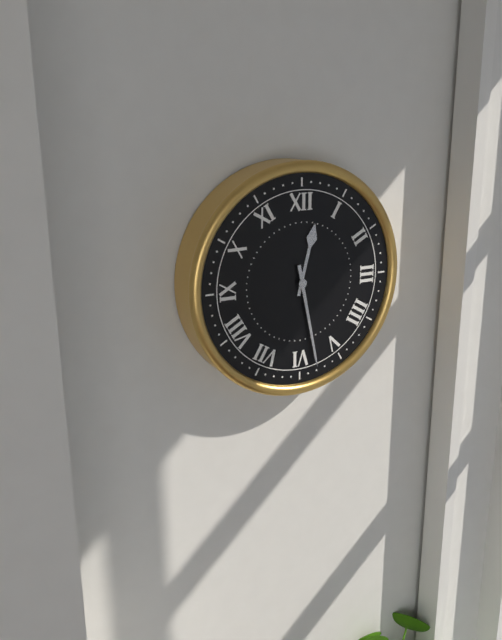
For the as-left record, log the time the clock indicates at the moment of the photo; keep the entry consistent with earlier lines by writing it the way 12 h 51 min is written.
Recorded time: 12 h 28 min
